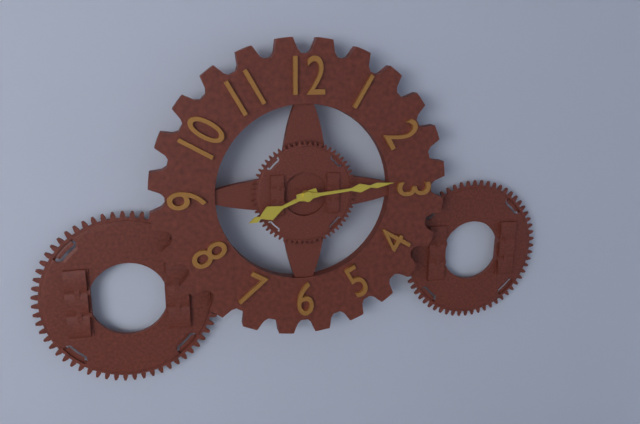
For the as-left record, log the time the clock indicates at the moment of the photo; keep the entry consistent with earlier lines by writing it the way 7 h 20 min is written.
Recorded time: 8 h 14 min
